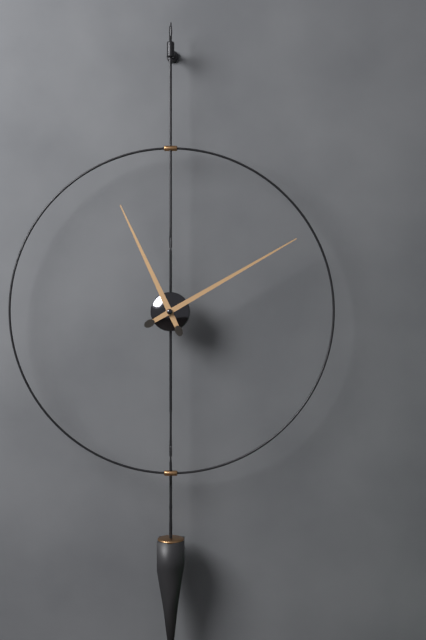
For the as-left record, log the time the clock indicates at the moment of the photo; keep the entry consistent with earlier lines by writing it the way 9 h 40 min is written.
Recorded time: 11 h 10 min
